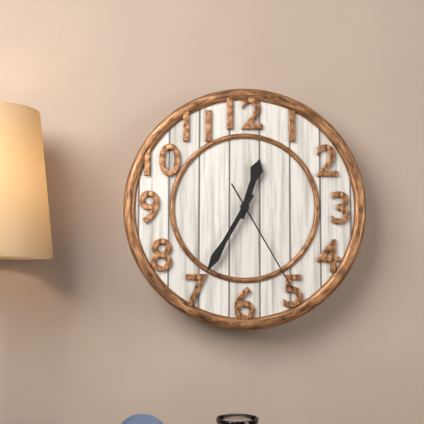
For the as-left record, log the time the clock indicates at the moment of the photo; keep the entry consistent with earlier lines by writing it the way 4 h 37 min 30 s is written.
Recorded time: 12 h 35 min 25 s
